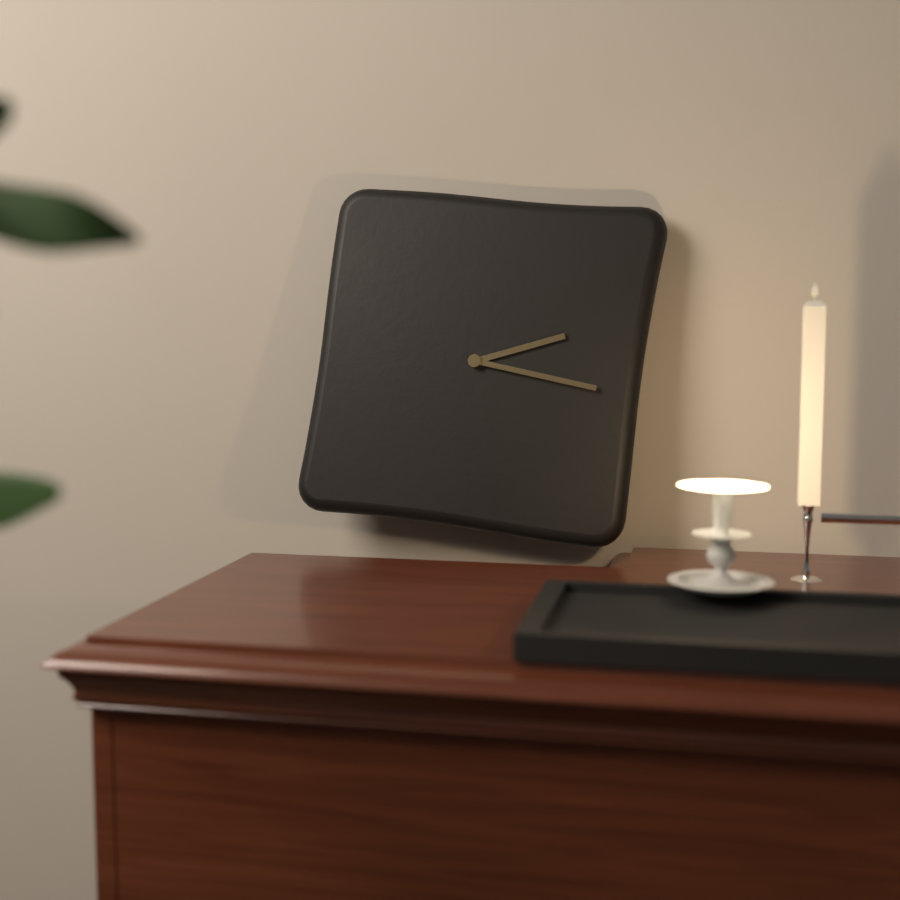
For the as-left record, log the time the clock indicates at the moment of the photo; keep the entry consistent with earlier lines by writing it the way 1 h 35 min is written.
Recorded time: 2 h 16 min
